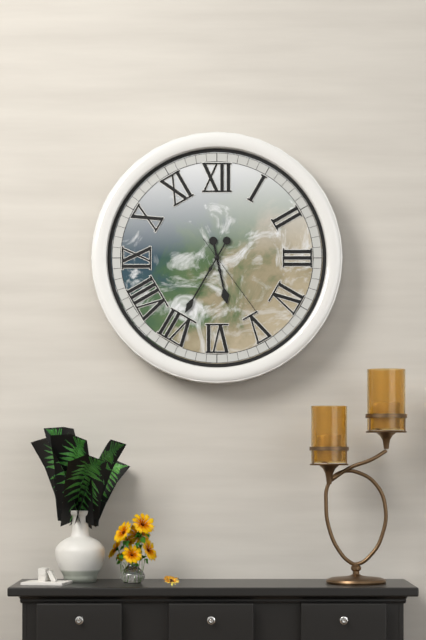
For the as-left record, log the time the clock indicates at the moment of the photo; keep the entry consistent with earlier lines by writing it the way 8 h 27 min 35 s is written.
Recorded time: 5 h 35 min 24 s
